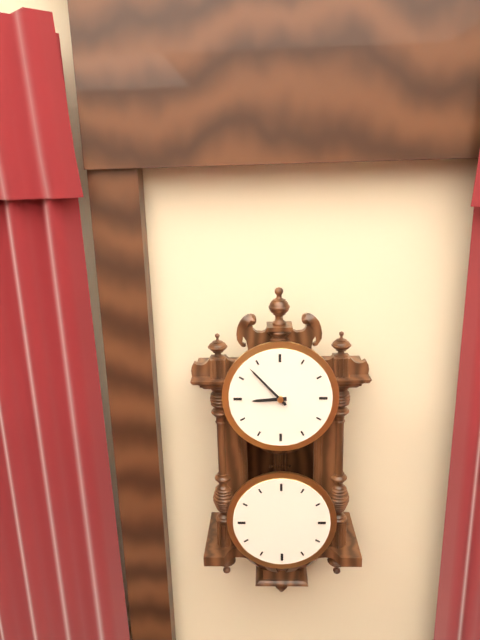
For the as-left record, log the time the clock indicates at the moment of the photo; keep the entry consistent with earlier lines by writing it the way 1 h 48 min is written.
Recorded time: 8 h 53 min
